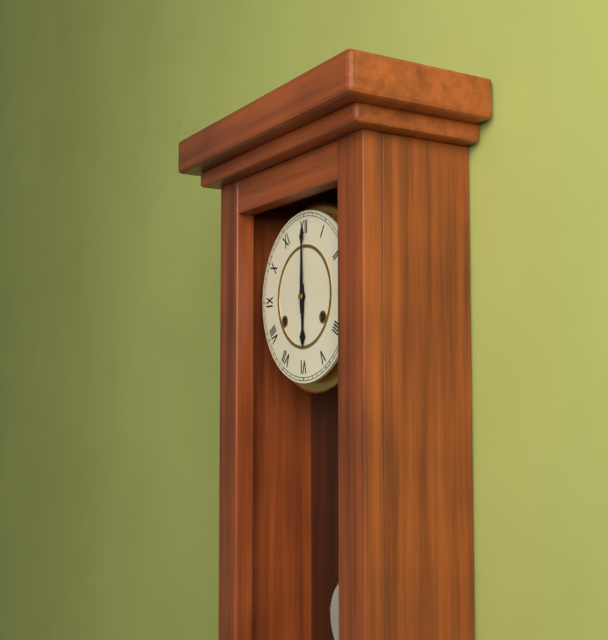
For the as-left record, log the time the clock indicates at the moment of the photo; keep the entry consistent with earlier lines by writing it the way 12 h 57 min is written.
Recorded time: 6 h 00 min
